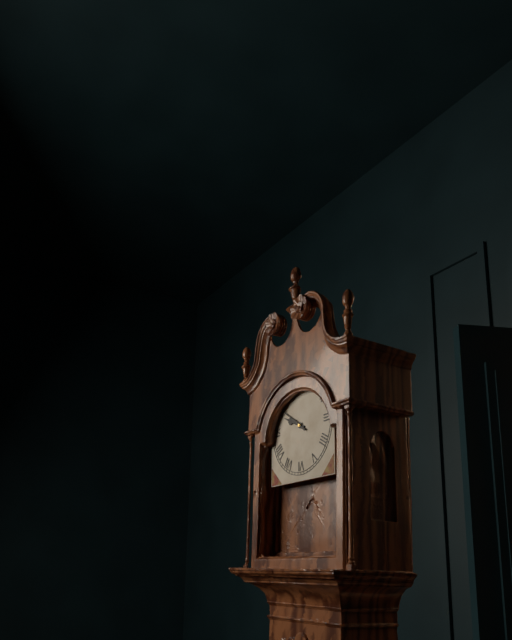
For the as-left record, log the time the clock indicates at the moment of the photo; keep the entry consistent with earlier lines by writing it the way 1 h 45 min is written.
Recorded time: 9 h 51 min
